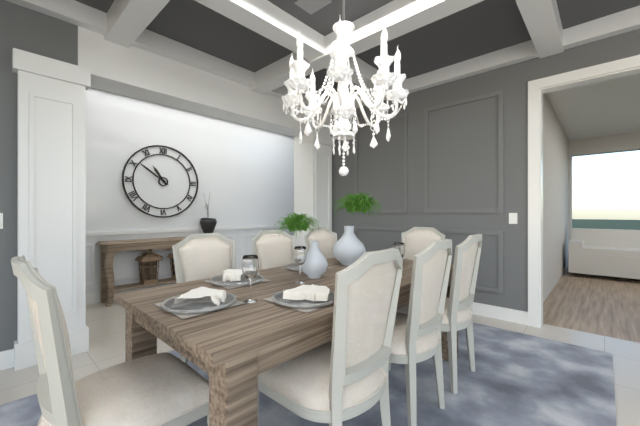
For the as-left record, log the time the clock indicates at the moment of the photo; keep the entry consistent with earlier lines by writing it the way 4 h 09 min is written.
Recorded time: 10 h 51 min
